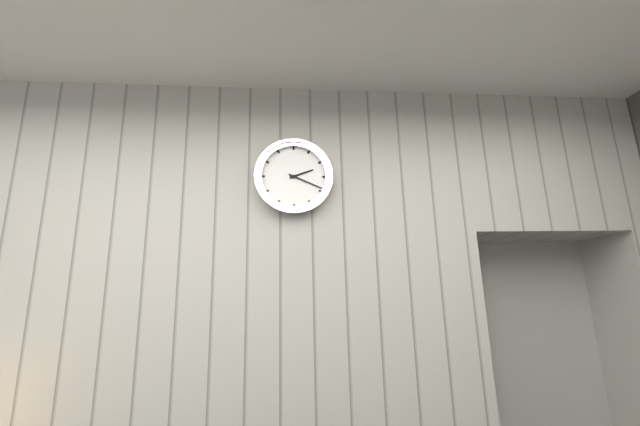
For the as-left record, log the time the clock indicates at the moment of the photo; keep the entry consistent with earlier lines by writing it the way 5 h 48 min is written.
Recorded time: 2 h 19 min
